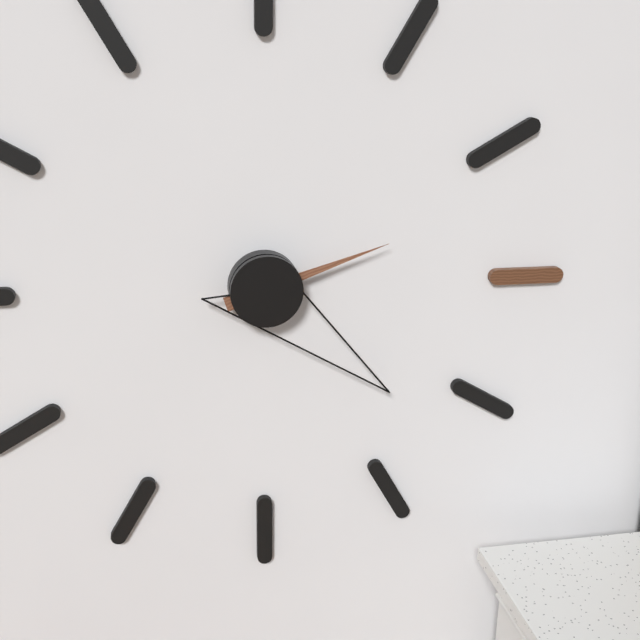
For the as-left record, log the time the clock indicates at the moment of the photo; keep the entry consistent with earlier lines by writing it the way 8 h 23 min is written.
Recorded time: 2 h 22 min
